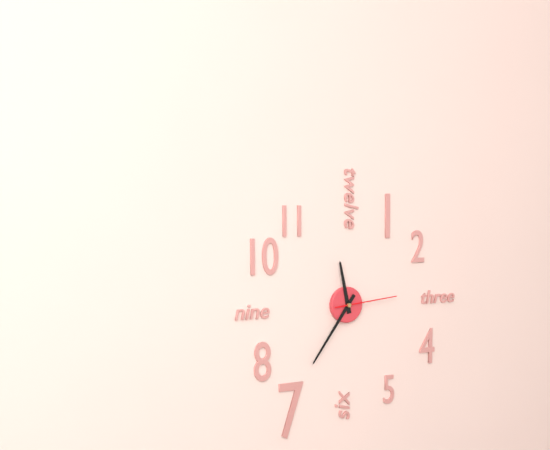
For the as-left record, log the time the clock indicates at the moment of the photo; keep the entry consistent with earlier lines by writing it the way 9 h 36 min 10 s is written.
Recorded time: 11 h 36 min 14 s
